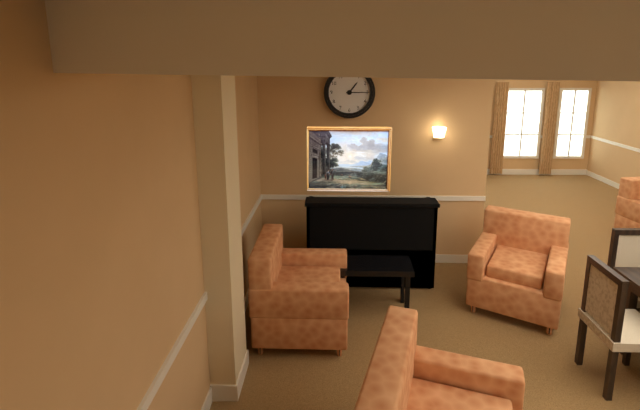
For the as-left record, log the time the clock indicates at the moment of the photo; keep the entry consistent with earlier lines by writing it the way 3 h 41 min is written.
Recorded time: 1 h 15 min
